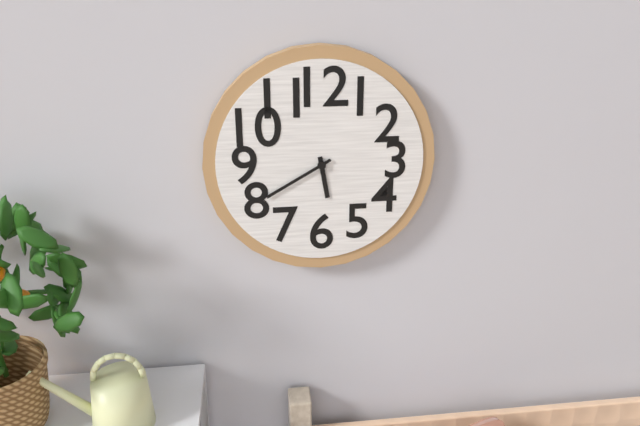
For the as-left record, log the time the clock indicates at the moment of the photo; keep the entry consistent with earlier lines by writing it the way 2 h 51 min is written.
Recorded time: 5 h 40 min
